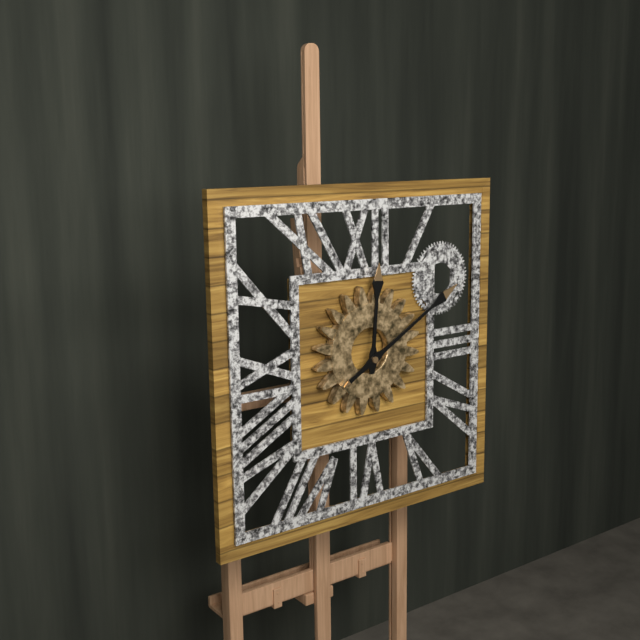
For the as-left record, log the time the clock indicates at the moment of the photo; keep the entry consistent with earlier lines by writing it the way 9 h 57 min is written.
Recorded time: 12 h 10 min
